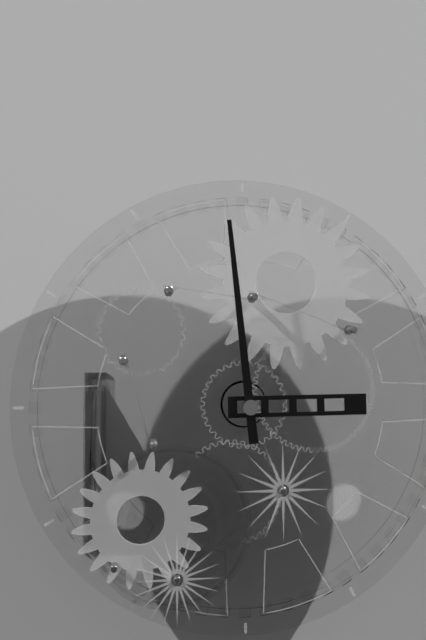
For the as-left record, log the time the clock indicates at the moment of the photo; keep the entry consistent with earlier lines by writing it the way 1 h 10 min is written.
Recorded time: 2 h 59 min
